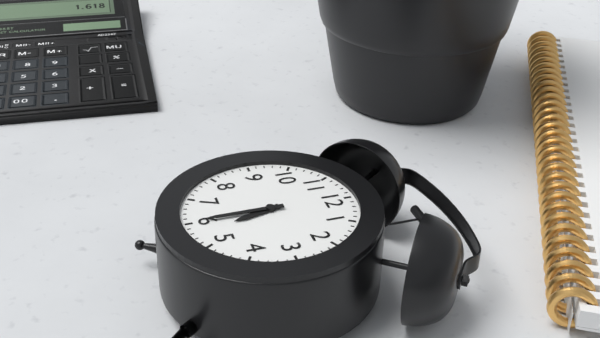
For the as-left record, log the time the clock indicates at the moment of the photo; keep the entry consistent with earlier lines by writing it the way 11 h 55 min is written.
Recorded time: 5 h 30 min
